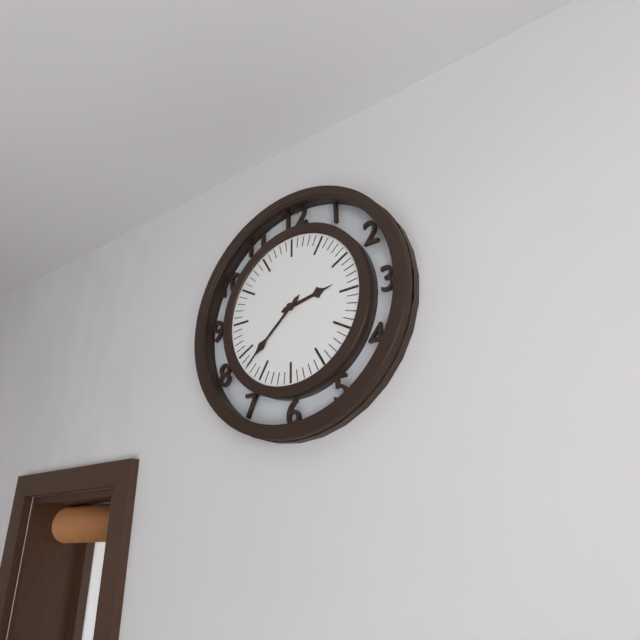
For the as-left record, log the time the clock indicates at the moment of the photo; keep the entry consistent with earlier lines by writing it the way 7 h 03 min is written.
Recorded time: 2 h 38 min
